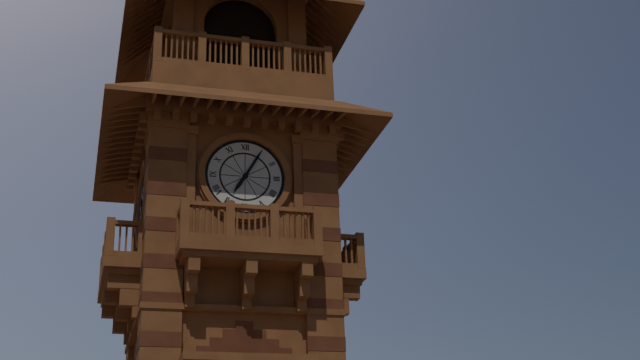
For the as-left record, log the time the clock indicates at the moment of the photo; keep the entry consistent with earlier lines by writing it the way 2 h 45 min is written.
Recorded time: 7 h 05 min
